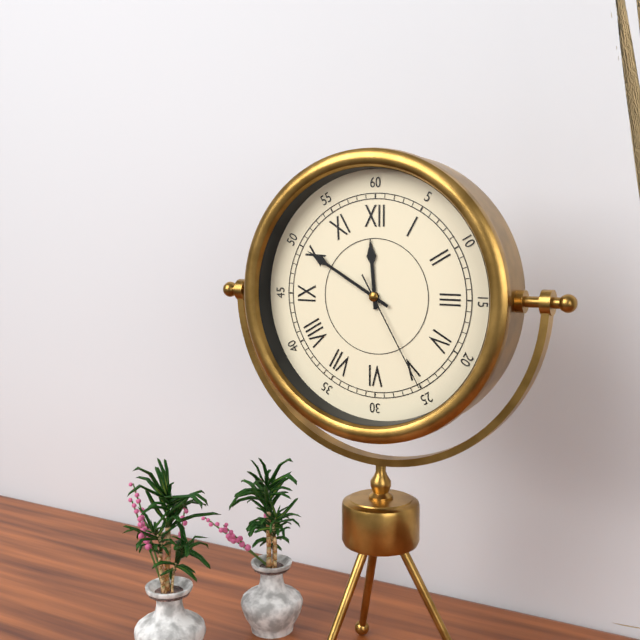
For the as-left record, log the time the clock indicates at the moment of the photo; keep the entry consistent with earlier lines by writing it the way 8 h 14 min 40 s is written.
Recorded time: 11 h 50 min 25 s
